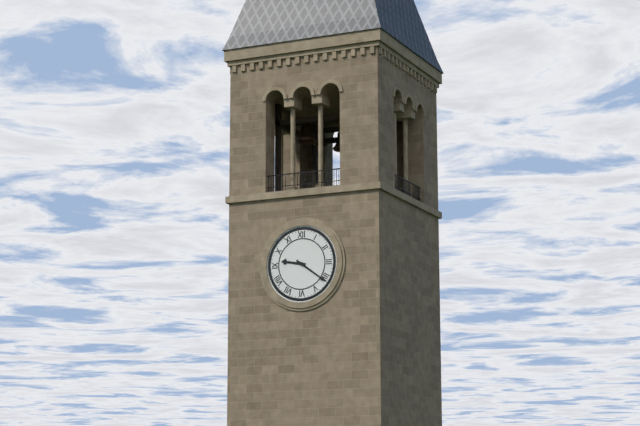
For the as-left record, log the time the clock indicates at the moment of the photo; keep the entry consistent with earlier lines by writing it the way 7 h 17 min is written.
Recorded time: 9 h 21 min
